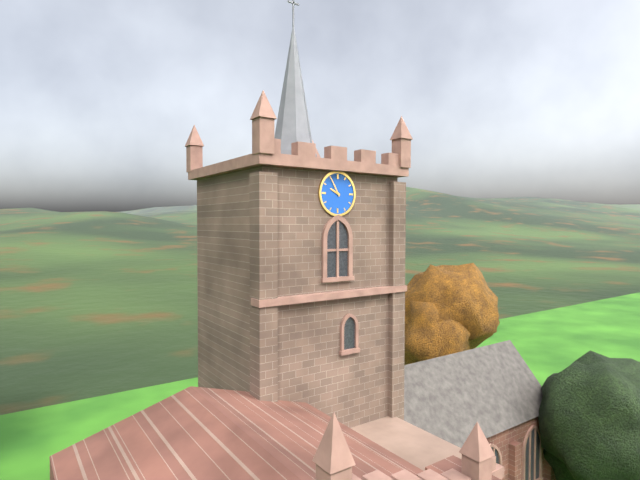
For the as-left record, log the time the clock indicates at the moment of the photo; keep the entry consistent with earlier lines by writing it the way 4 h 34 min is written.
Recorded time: 9 h 55 min
